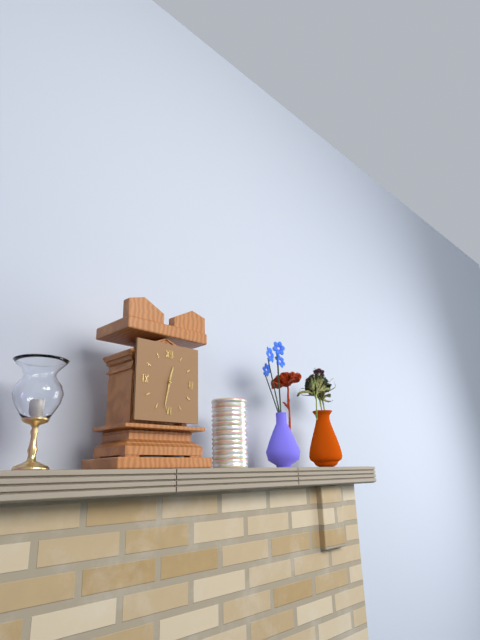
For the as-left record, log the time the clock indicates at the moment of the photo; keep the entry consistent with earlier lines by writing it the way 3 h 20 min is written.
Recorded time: 12 h 32 min
